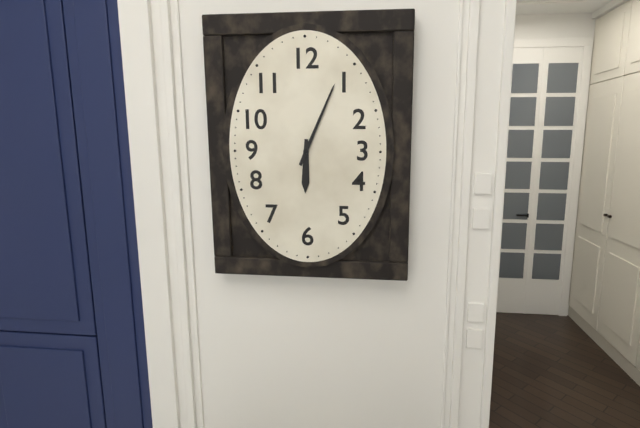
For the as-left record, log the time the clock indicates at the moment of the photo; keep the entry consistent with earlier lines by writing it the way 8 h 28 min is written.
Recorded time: 6 h 04 min
